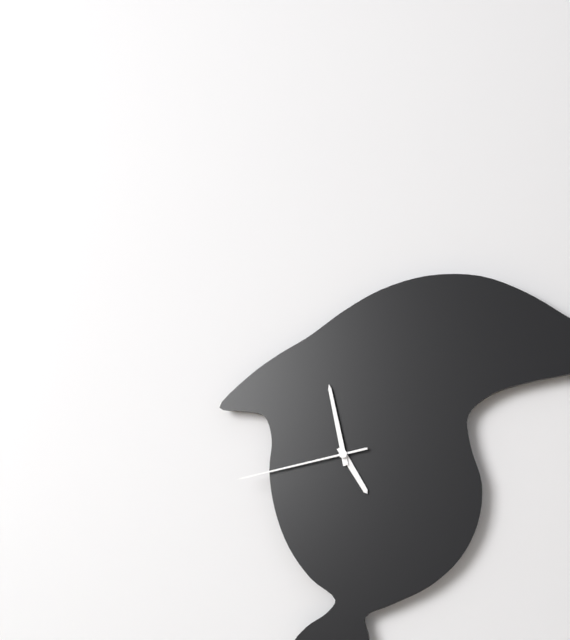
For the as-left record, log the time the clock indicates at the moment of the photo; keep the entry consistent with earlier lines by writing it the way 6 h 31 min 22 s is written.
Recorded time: 4 h 58 min 43 s
